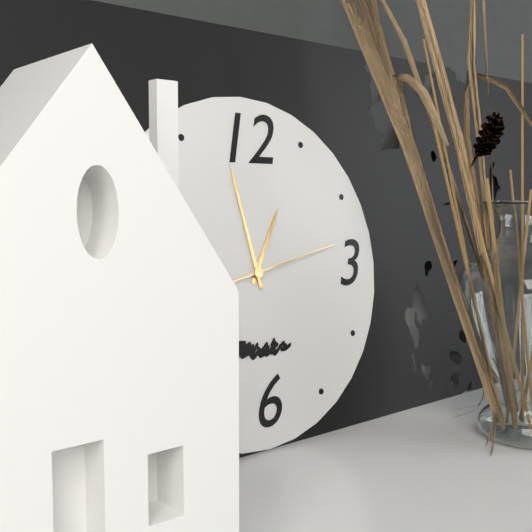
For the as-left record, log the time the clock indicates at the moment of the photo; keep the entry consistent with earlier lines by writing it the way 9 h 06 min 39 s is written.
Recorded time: 12 h 58 min 13 s
